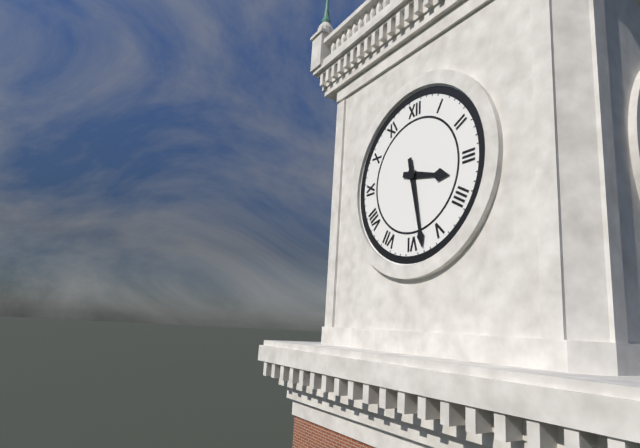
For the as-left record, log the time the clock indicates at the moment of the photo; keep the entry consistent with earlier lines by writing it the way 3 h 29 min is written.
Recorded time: 3 h 28 min
